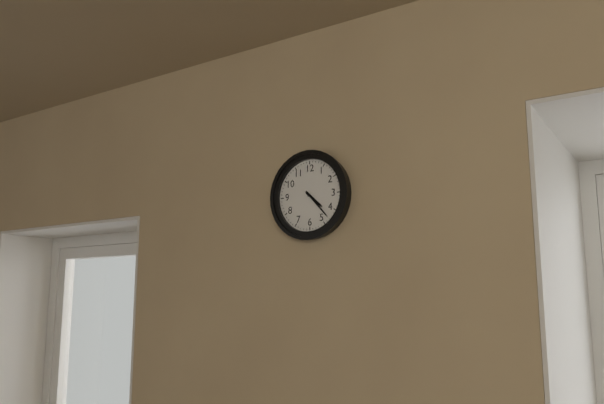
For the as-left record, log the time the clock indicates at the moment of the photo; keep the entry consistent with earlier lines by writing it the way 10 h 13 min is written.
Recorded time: 4 h 23 min
